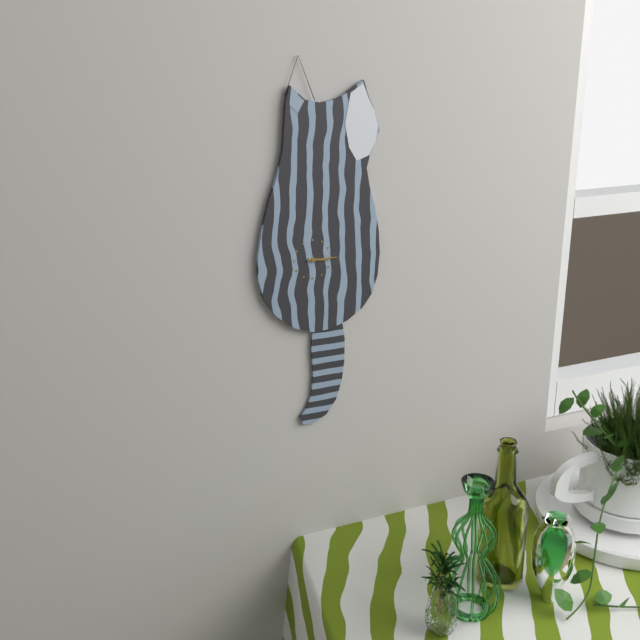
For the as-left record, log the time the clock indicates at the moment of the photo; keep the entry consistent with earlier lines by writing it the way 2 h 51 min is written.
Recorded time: 3 h 15 min
